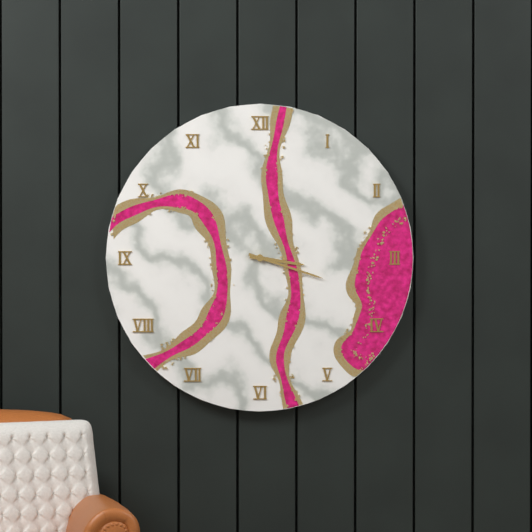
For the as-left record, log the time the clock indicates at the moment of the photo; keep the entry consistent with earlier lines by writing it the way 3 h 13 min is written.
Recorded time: 3 h 18 min
